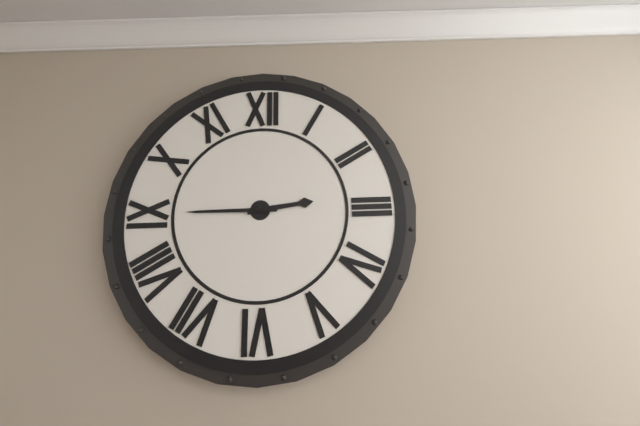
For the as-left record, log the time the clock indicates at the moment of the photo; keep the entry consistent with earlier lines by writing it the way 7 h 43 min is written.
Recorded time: 2 h 45 min
